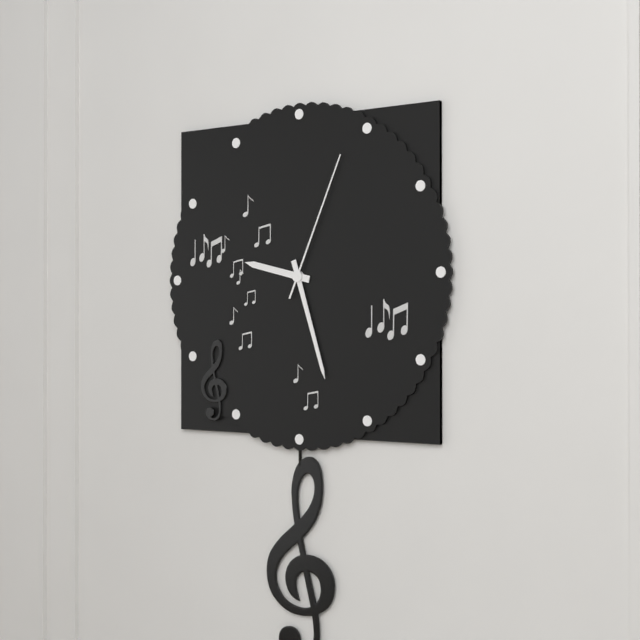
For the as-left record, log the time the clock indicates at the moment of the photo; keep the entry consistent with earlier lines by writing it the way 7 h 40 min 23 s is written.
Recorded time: 9 h 27 min 04 s
